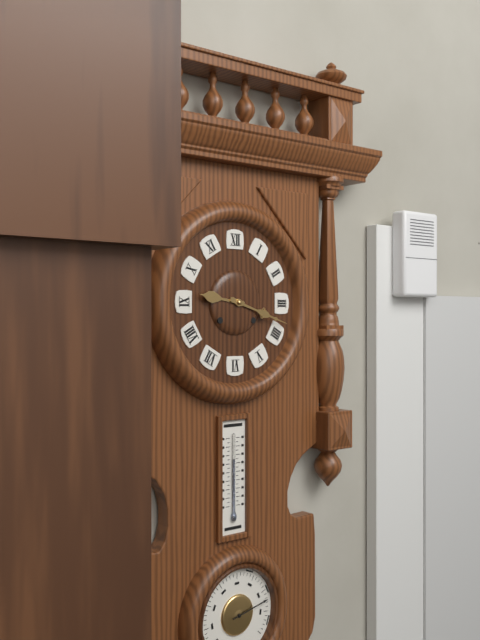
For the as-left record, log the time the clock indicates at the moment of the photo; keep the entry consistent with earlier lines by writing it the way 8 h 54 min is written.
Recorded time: 9 h 18 min
